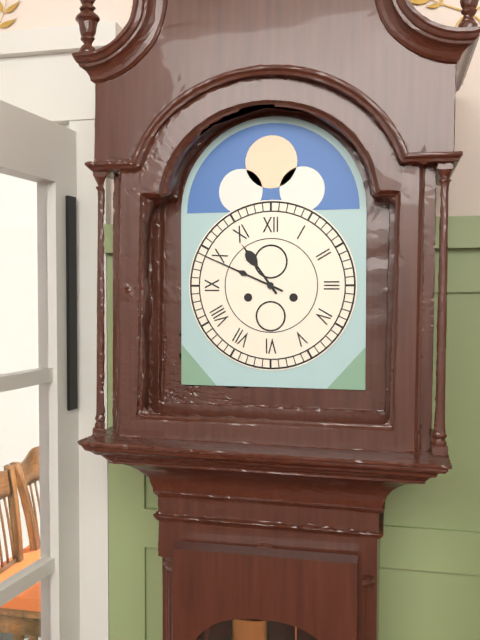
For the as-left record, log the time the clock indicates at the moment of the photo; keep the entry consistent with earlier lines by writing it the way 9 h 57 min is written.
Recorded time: 10 h 49 min
